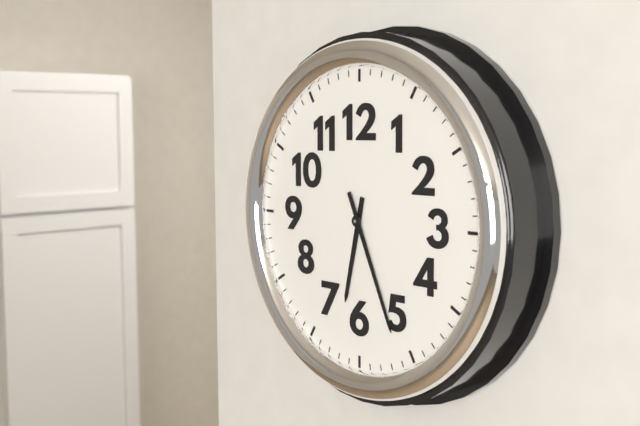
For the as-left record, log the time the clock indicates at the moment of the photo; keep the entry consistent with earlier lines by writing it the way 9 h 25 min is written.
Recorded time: 6 h 26 min
